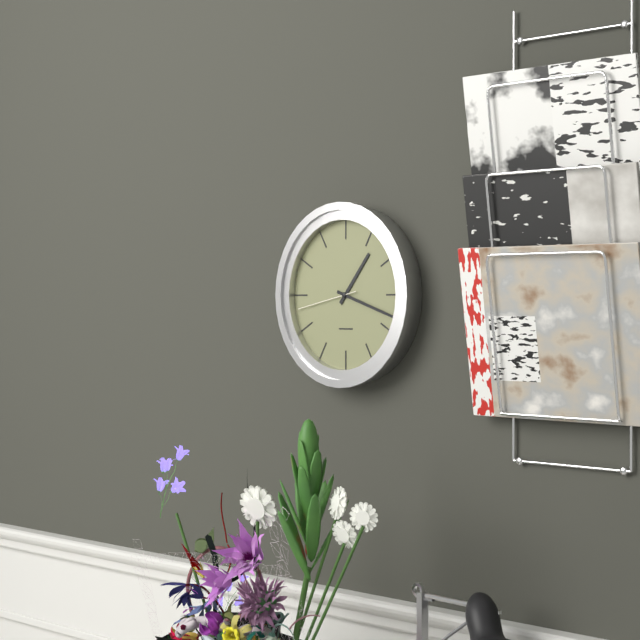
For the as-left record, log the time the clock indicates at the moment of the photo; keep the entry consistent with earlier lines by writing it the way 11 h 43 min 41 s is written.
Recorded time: 1 h 18 min 43 s
